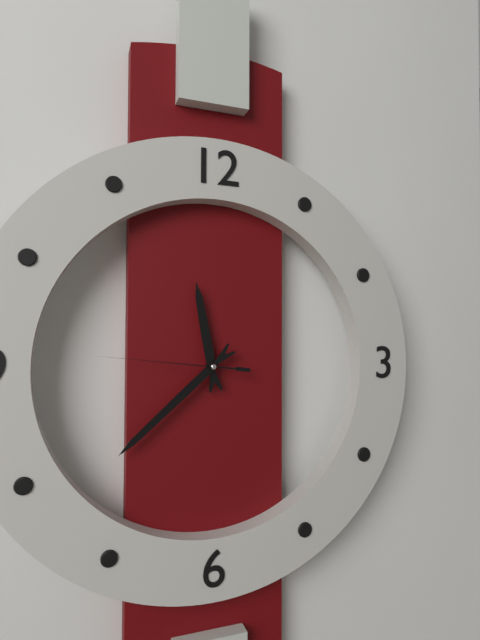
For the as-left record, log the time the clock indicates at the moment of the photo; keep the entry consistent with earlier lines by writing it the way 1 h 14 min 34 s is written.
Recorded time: 11 h 38 min 46 s
